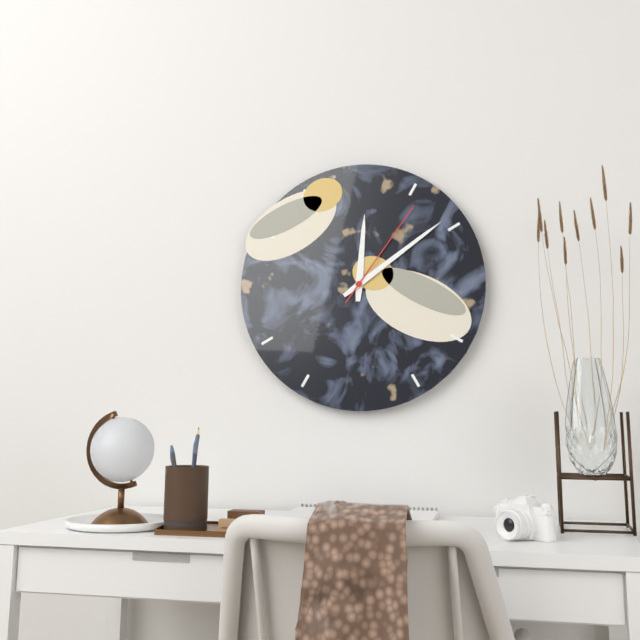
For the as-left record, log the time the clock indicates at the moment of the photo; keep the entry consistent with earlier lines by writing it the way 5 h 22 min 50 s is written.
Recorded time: 12 h 09 min 06 s
